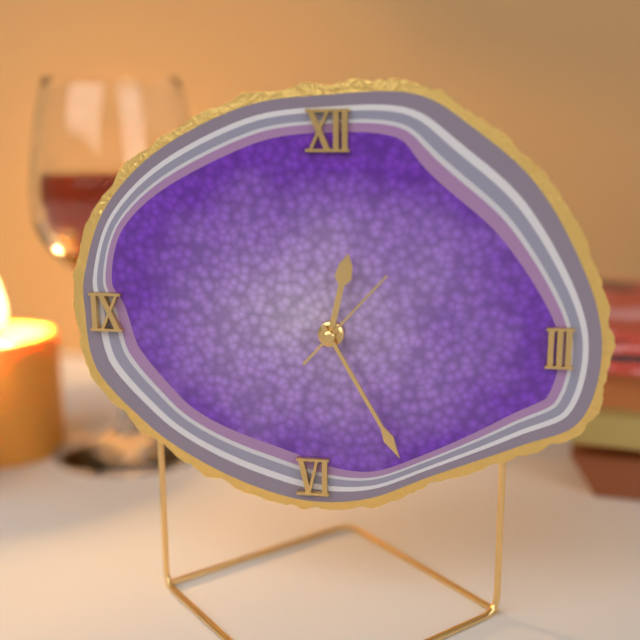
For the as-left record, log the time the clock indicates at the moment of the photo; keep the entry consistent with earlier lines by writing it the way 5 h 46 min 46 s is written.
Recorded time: 12 h 25 min 07 s
